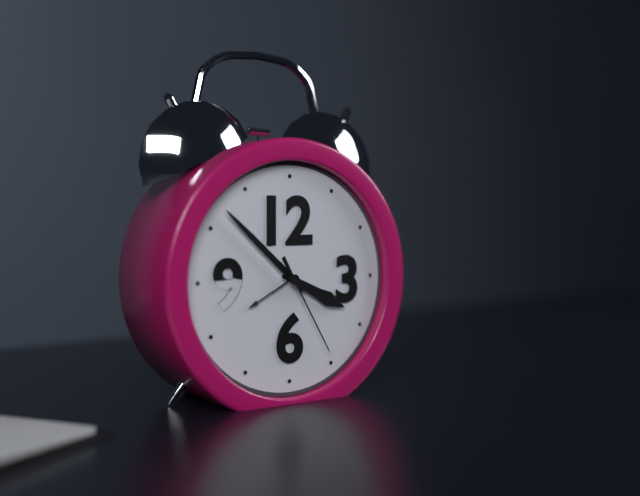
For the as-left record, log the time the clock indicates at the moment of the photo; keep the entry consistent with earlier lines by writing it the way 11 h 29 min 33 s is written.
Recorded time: 3 h 52 min 25 s
